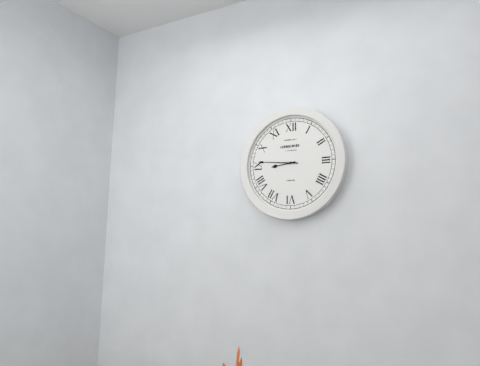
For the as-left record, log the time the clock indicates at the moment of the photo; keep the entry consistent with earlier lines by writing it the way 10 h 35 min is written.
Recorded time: 8 h 46 min
